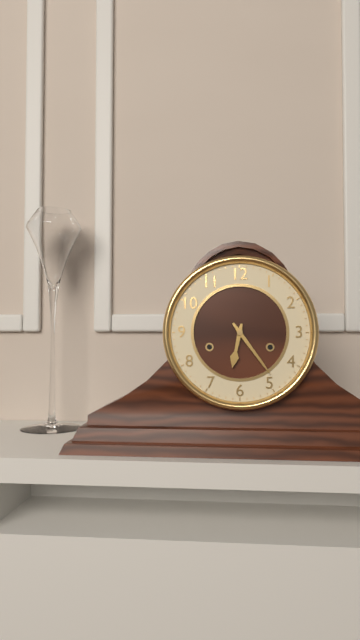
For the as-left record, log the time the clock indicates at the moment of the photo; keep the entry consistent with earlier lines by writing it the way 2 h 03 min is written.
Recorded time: 6 h 24 min
